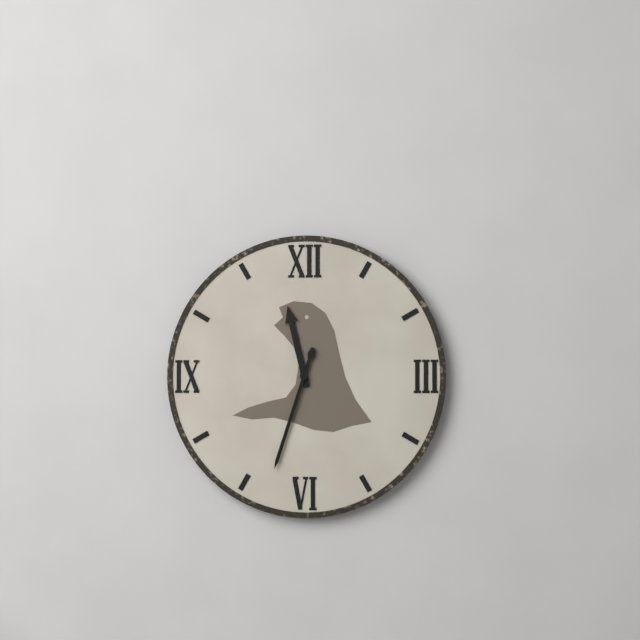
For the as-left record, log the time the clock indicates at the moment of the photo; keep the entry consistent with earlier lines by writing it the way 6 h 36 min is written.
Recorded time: 11 h 33 min
